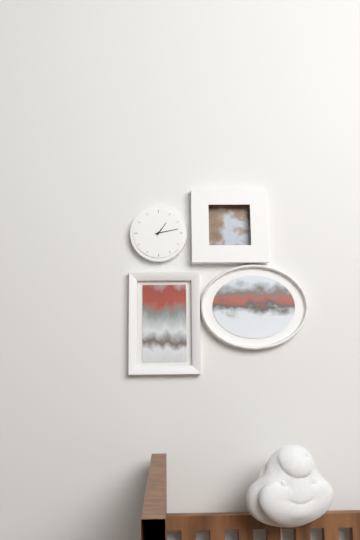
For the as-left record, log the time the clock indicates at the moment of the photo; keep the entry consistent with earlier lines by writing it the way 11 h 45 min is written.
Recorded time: 1 h 13 min
